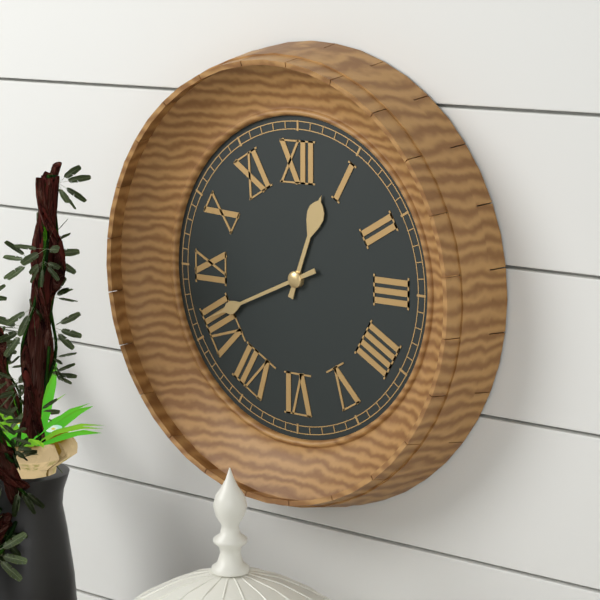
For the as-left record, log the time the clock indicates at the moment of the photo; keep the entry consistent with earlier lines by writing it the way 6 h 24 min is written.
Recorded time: 12 h 41 min
